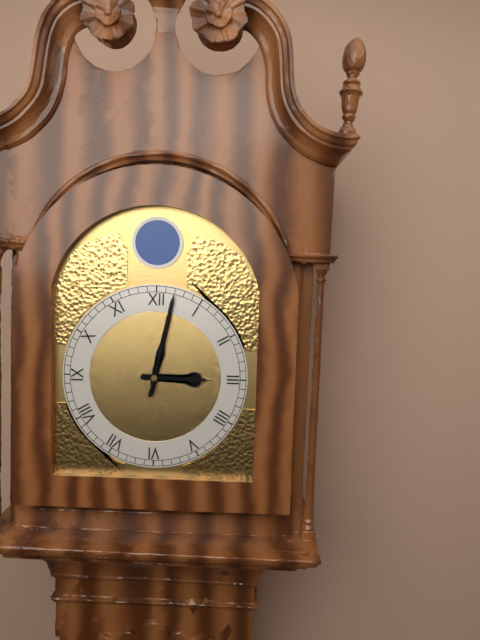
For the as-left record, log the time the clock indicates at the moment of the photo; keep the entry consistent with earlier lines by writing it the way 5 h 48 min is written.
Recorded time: 3 h 02 min
